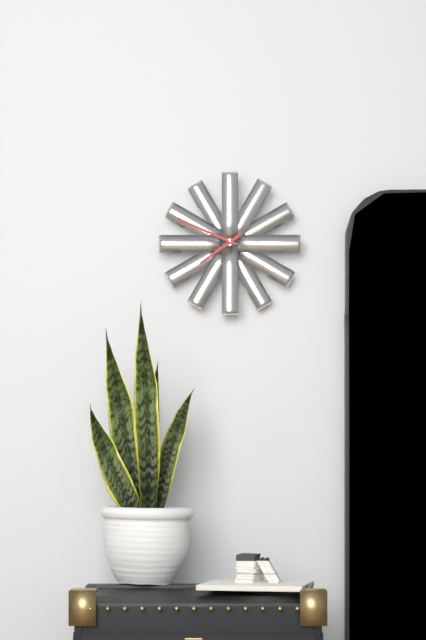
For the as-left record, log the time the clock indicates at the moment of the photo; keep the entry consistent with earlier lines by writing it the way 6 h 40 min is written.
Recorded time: 7 h 49 min
